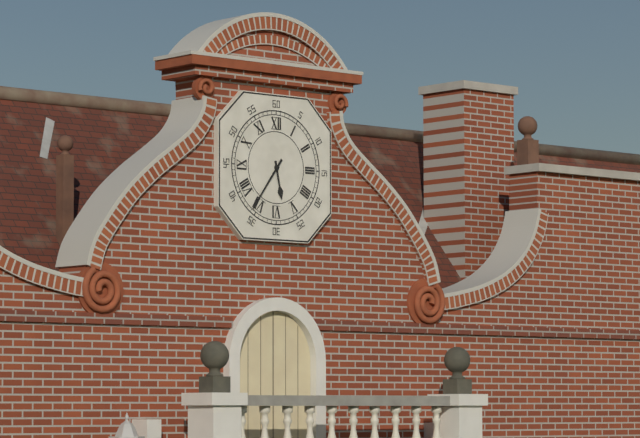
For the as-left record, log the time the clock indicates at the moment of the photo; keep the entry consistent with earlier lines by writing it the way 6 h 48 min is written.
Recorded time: 5 h 36 min
